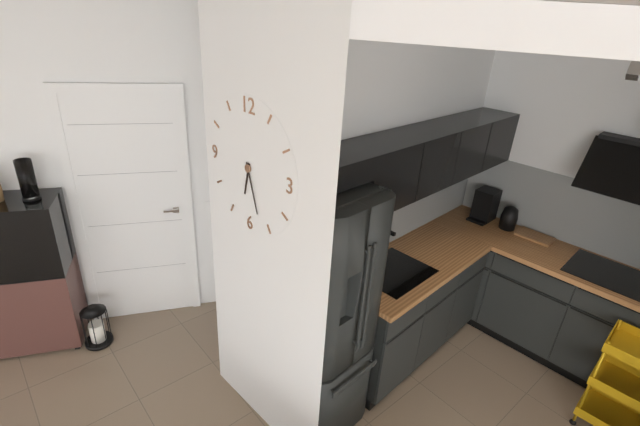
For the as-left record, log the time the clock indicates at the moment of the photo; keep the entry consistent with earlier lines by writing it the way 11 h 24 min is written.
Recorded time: 6 h 27 min
